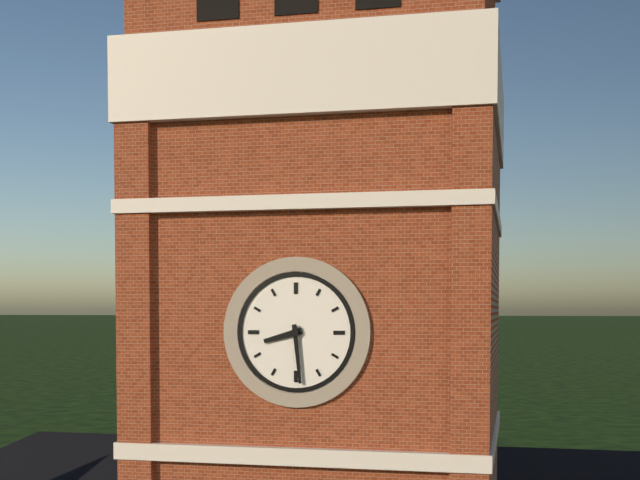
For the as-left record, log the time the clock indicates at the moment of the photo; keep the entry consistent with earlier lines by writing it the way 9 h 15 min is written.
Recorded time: 8 h 29 min
